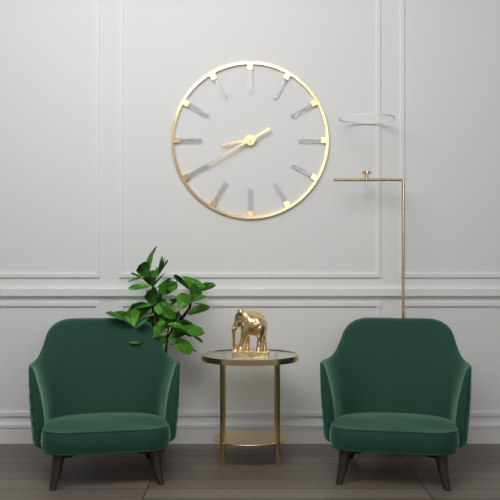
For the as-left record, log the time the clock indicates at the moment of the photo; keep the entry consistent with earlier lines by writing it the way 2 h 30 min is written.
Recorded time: 8 h 40 min
